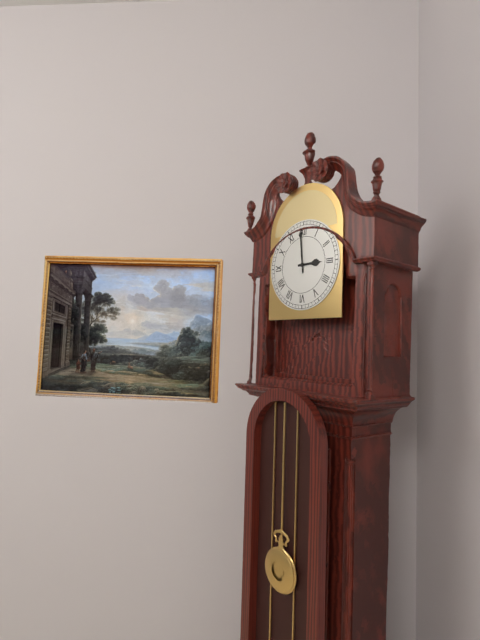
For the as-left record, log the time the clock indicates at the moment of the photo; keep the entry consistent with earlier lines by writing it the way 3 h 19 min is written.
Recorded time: 2 h 59 min
